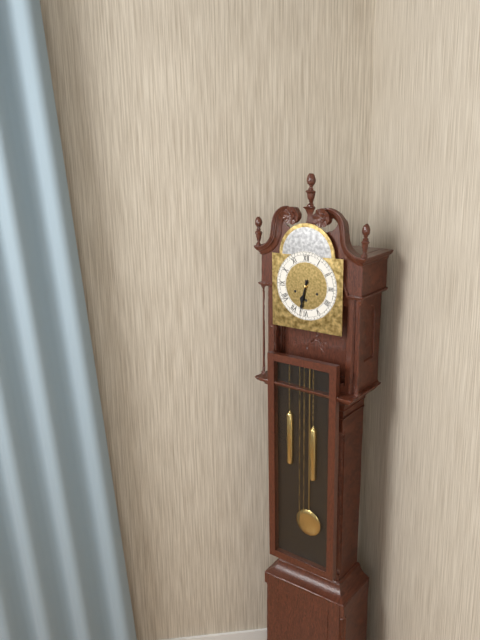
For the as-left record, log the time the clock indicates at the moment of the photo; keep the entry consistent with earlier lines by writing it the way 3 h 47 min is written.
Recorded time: 6 h 32 min
